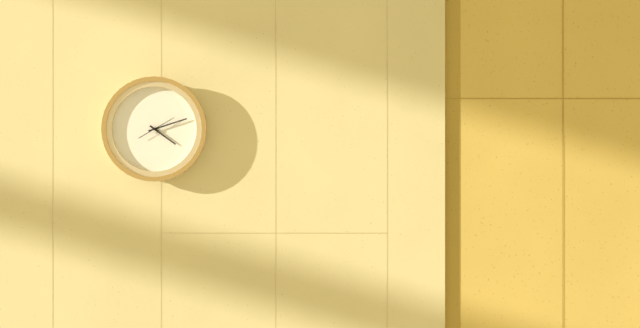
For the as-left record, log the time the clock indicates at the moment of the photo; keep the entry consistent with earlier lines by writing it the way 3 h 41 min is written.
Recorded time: 4 h 12 min
